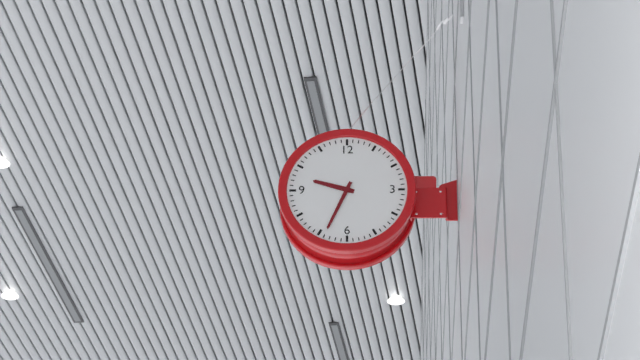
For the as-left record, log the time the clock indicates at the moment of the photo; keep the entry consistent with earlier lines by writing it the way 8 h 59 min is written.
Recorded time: 9 h 34 min
